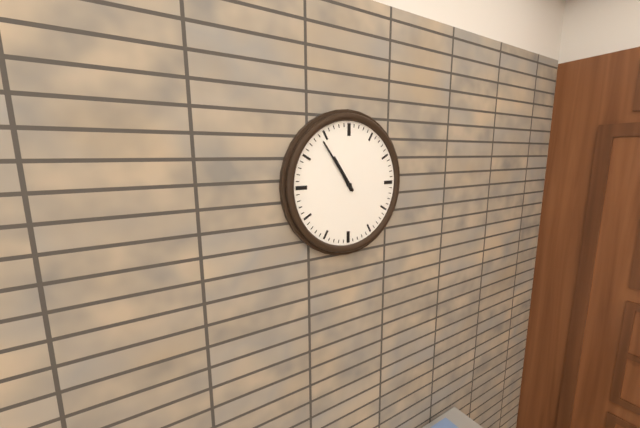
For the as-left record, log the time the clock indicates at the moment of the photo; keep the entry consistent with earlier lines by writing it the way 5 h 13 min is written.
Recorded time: 10 h 54 min
